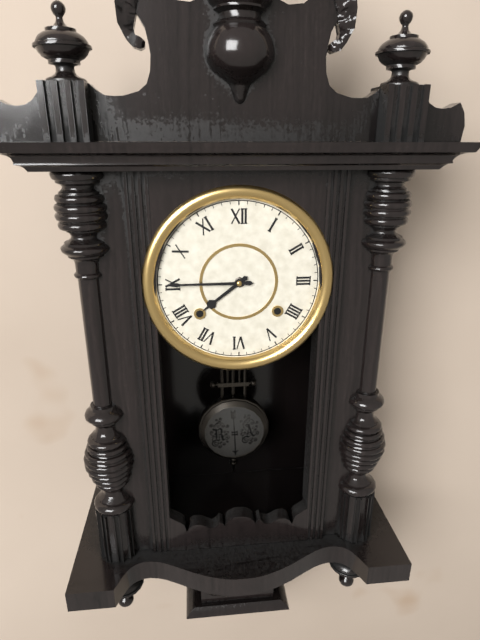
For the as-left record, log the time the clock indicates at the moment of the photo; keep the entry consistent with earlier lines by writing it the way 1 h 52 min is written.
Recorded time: 7 h 45 min
